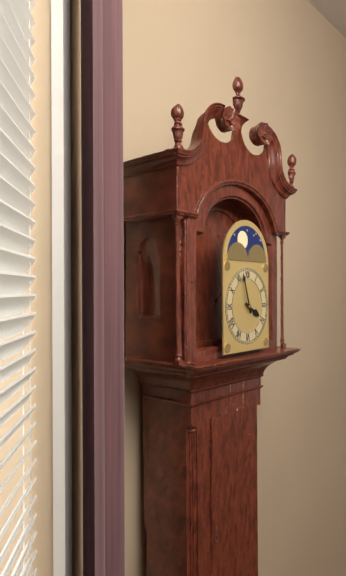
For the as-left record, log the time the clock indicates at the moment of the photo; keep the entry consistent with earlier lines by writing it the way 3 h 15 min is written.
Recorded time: 3 h 57 min
